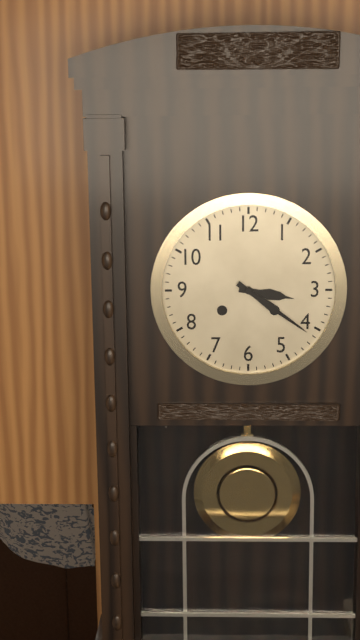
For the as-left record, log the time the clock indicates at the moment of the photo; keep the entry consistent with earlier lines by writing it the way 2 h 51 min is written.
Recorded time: 3 h 21 min
